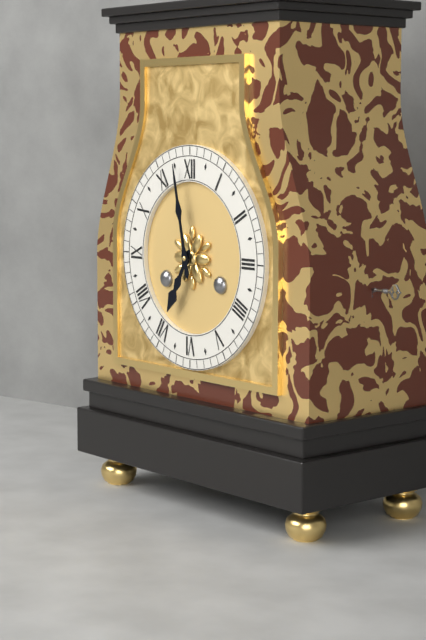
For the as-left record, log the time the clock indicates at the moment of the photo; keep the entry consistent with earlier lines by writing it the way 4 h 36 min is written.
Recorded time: 6 h 58 min
